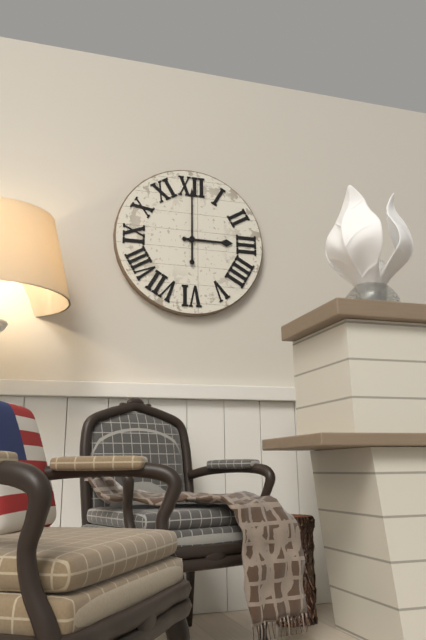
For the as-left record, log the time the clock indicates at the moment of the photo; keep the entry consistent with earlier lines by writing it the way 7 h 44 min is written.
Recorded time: 3 h 00 min
